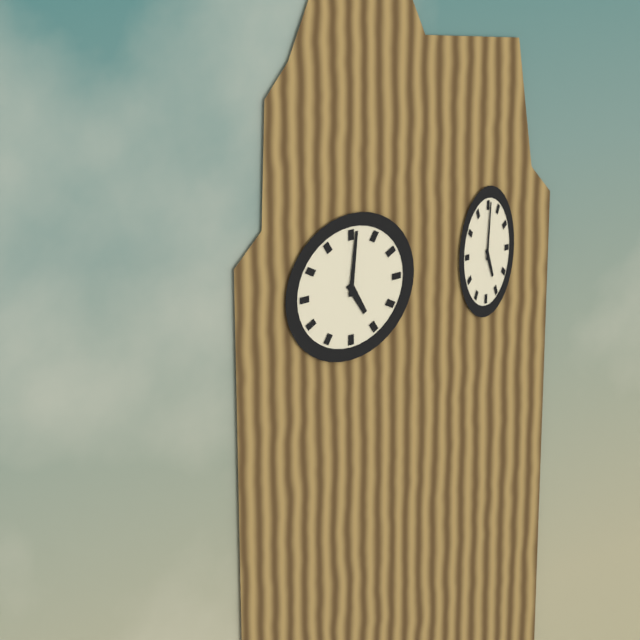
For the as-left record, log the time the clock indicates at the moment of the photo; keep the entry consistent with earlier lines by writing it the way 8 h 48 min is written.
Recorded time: 5 h 01 min
